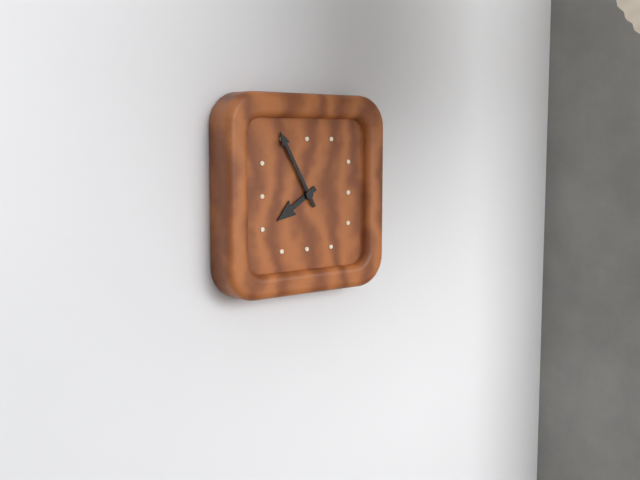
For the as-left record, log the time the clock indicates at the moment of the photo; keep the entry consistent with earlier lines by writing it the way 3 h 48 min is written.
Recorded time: 7 h 55 min
